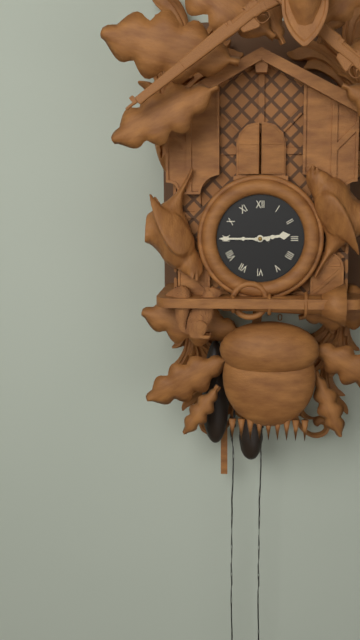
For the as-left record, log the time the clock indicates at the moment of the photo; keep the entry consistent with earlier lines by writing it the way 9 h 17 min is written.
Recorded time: 2 h 45 min
